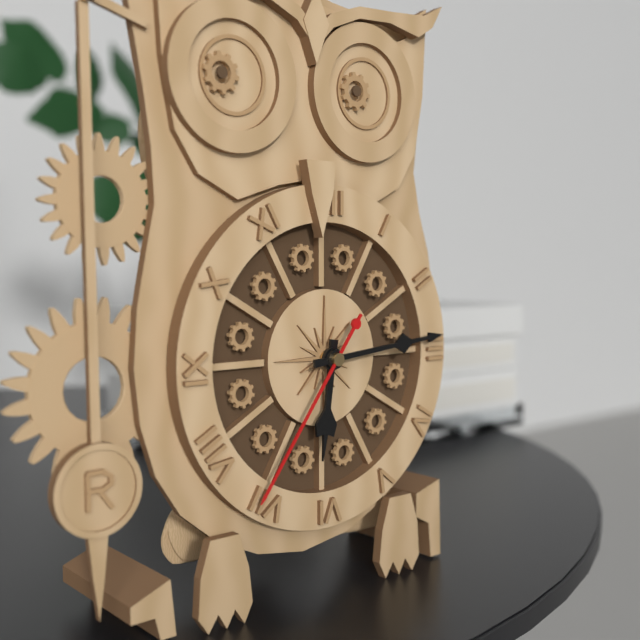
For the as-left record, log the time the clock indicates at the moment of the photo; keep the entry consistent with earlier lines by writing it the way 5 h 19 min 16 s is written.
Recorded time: 6 h 14 min 36 s
